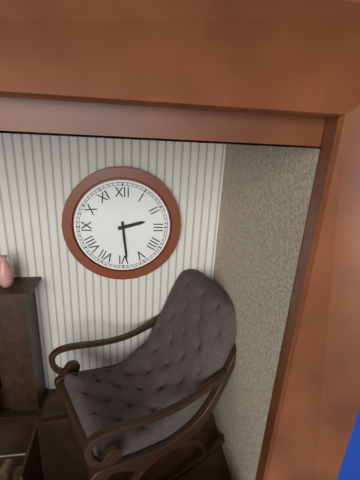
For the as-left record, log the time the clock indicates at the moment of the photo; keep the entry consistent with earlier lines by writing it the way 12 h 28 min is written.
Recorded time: 2 h 29 min
